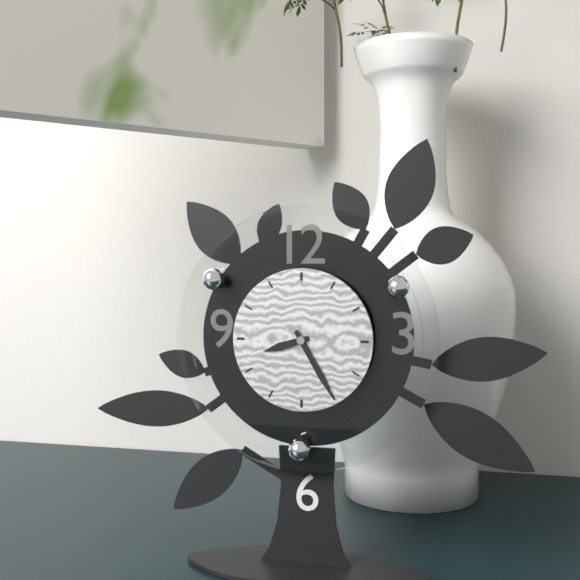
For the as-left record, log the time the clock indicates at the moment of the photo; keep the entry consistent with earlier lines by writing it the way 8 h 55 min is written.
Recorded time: 8 h 25 min
